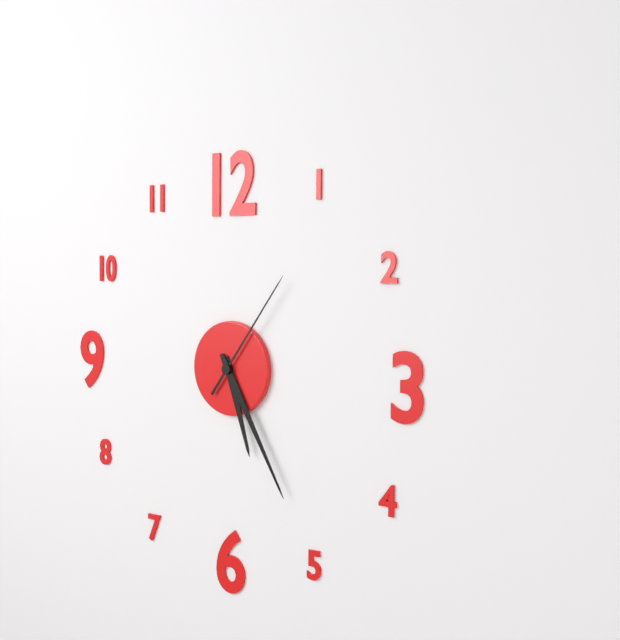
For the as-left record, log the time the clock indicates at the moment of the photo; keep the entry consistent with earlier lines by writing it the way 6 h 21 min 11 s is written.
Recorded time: 5 h 25 min 06 s
